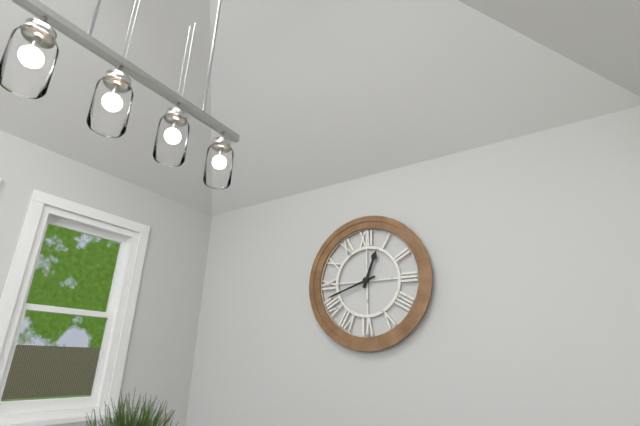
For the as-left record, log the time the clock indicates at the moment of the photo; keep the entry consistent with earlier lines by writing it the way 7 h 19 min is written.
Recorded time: 12 h 42 min
